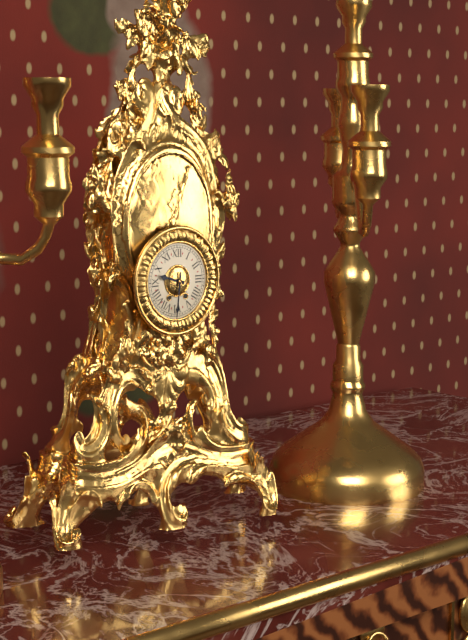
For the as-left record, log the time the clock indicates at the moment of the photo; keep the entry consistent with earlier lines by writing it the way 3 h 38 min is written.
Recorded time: 9 h 31 min
